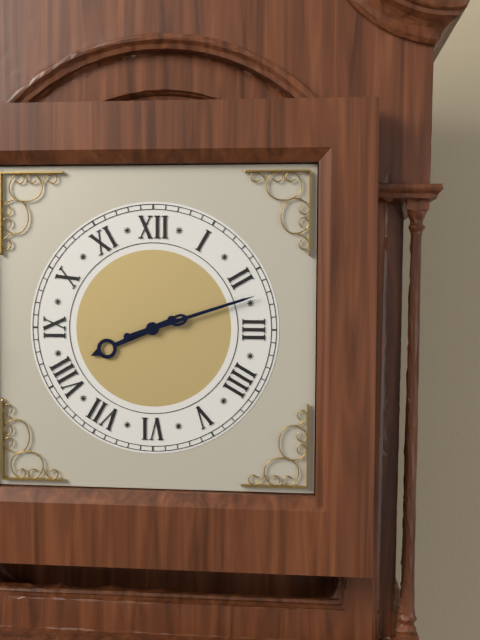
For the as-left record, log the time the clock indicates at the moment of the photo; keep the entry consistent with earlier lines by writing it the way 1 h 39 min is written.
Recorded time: 8 h 12 min
